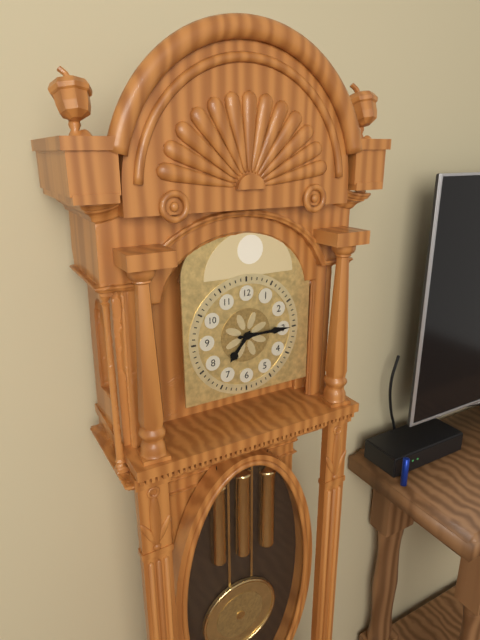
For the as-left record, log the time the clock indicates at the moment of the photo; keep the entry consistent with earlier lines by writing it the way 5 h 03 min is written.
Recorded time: 7 h 15 min
